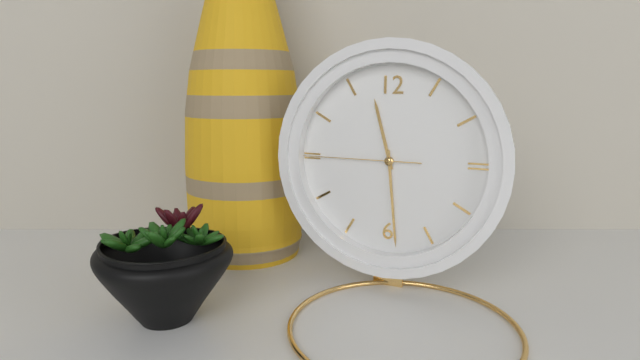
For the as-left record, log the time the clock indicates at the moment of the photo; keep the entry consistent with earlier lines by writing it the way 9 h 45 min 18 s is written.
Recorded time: 11 h 29 min 45 s
